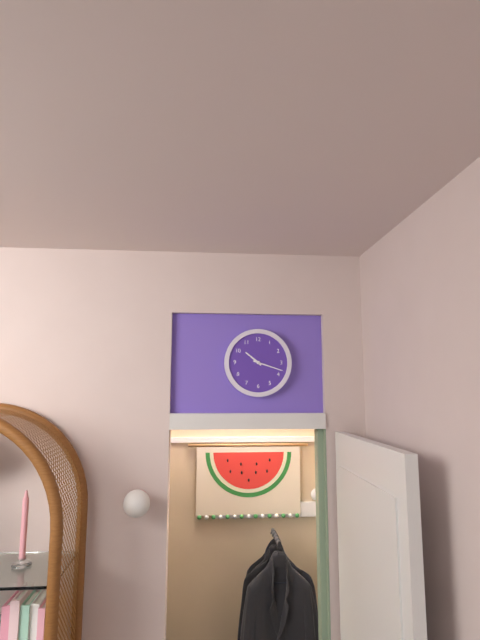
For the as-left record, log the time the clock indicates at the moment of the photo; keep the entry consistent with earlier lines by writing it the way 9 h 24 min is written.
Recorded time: 10 h 18 min
